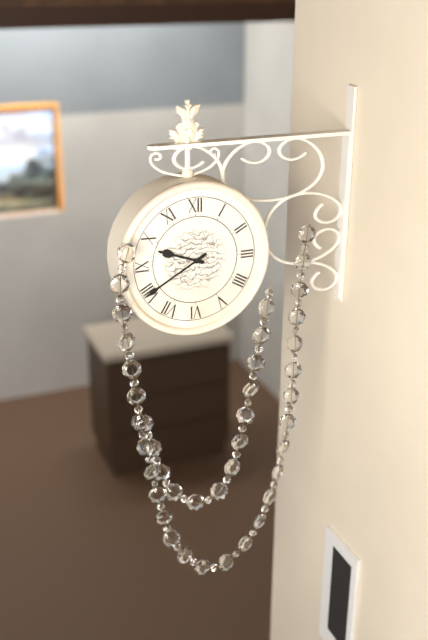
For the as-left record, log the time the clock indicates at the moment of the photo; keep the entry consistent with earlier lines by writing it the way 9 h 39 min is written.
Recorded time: 9 h 40 min
